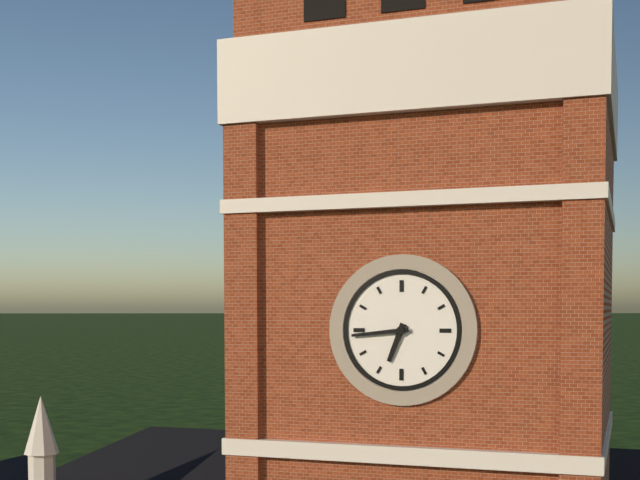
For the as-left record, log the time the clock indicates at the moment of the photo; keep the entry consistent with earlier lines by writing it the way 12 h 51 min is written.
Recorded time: 6 h 44 min
